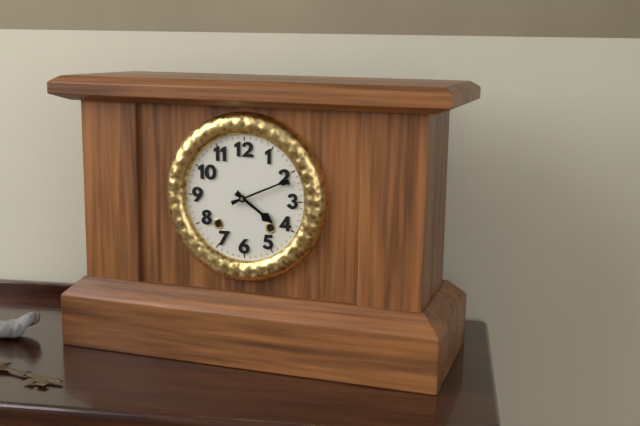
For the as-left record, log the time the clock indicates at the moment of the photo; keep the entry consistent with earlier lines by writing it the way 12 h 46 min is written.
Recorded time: 4 h 11 min
